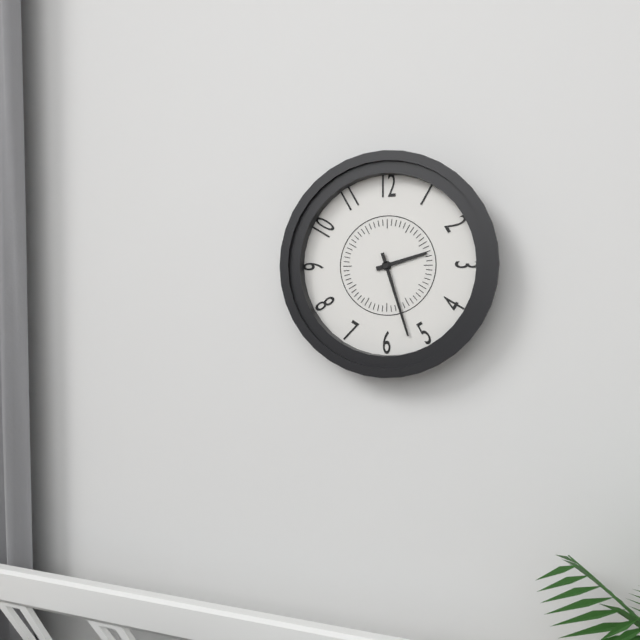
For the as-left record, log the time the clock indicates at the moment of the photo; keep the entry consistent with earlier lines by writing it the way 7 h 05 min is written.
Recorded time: 2 h 27 min
